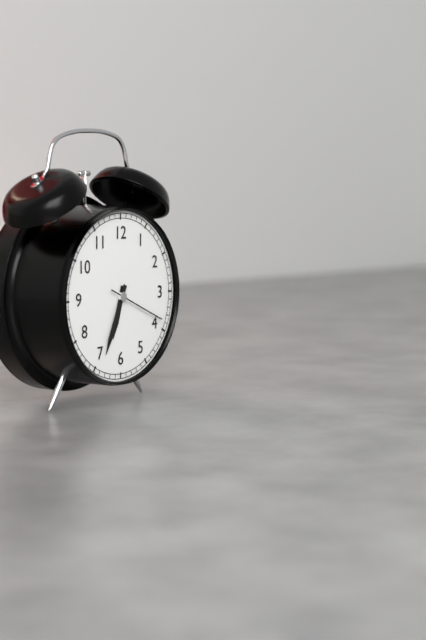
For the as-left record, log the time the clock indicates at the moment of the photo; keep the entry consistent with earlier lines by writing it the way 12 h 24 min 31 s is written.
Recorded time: 6 h 34 min 19 s
